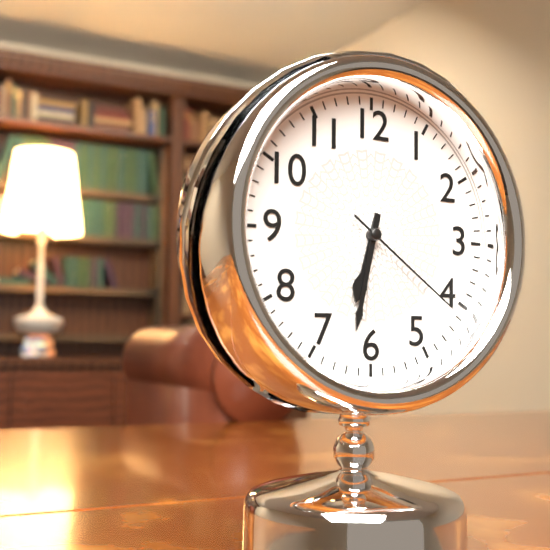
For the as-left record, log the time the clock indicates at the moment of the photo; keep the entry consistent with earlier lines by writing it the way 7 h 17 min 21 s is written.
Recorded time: 6 h 32 min 21 s
